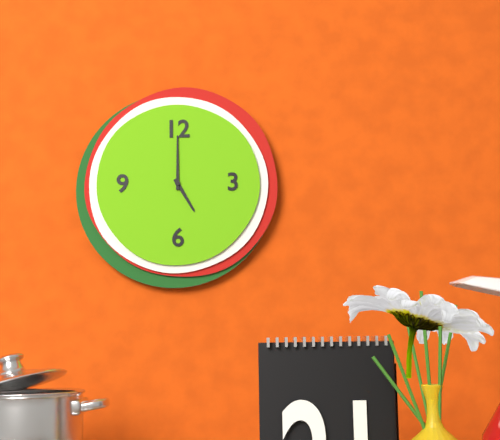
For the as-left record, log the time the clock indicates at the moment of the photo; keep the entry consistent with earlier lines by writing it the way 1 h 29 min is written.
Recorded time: 5 h 00 min
